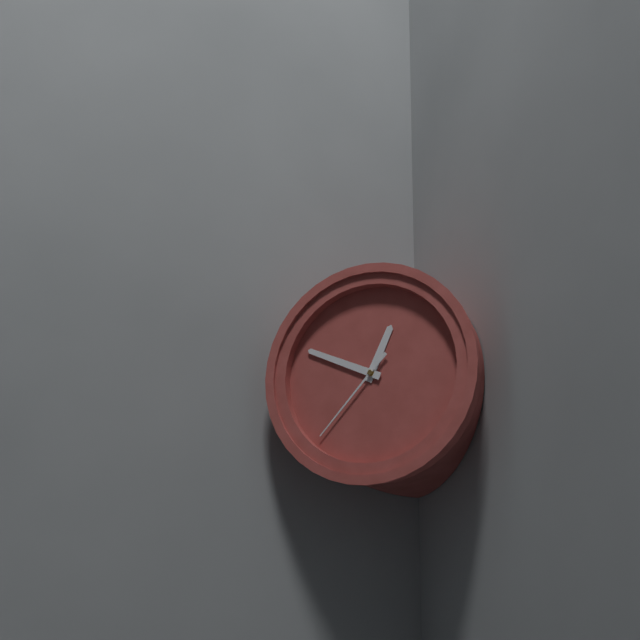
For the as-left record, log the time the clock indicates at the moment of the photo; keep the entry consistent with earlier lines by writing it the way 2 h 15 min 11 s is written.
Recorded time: 12 h 49 min 37 s
